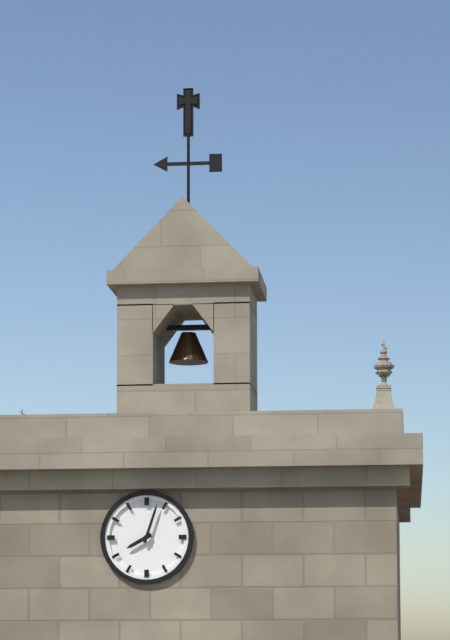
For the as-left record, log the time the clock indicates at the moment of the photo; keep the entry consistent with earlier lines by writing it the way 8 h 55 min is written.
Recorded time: 8 h 03 min
